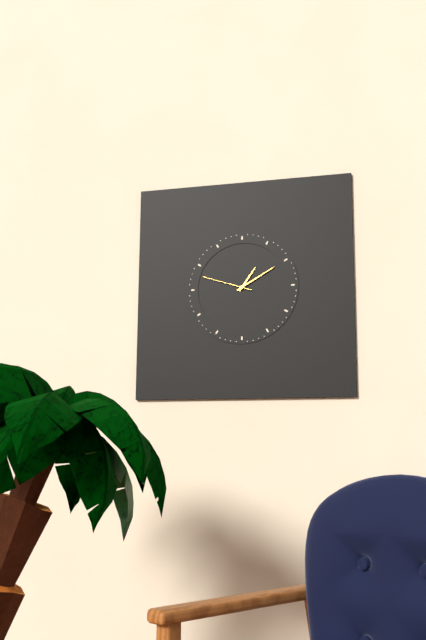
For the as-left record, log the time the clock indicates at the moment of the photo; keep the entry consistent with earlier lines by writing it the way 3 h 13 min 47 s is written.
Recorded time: 1 h 10 min 48 s
